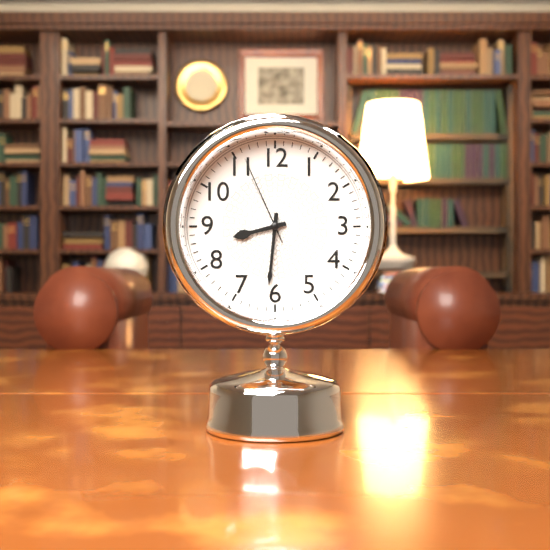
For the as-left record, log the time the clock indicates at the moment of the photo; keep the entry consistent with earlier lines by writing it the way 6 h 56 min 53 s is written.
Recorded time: 8 h 31 min 56 s
